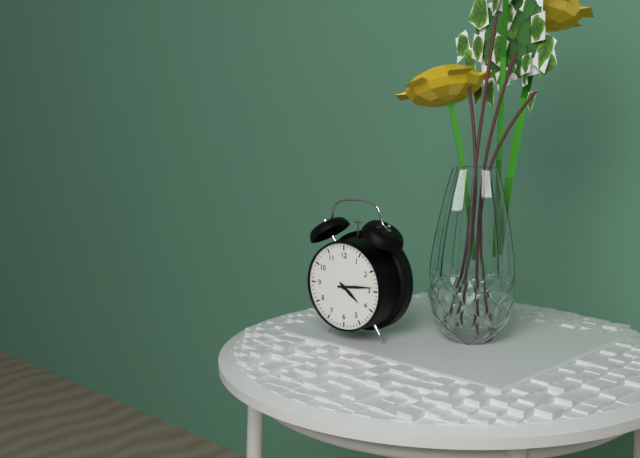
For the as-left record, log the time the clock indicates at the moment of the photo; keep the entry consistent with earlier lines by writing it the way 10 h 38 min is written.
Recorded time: 4 h 14 min
